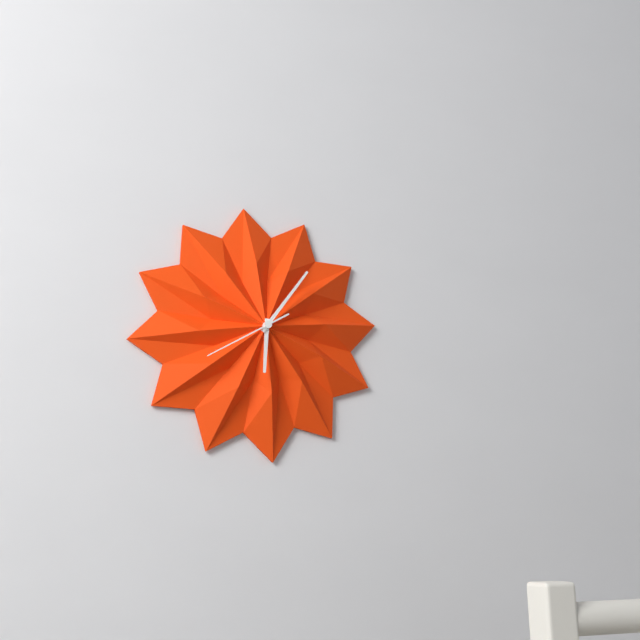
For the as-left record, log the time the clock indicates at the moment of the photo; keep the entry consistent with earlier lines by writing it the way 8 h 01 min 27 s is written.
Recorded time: 6 h 06 min 40 s
